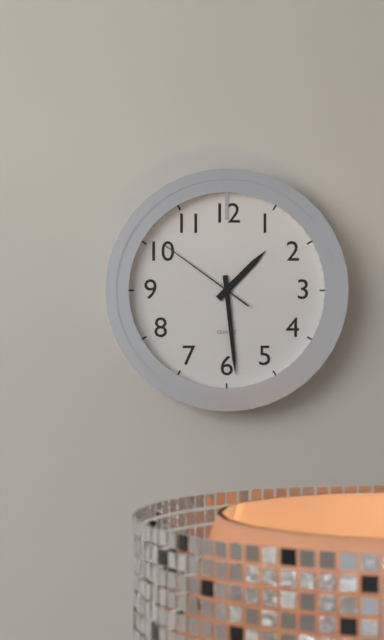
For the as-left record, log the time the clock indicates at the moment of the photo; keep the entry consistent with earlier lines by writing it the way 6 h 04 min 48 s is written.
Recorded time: 1 h 29 min 51 s
